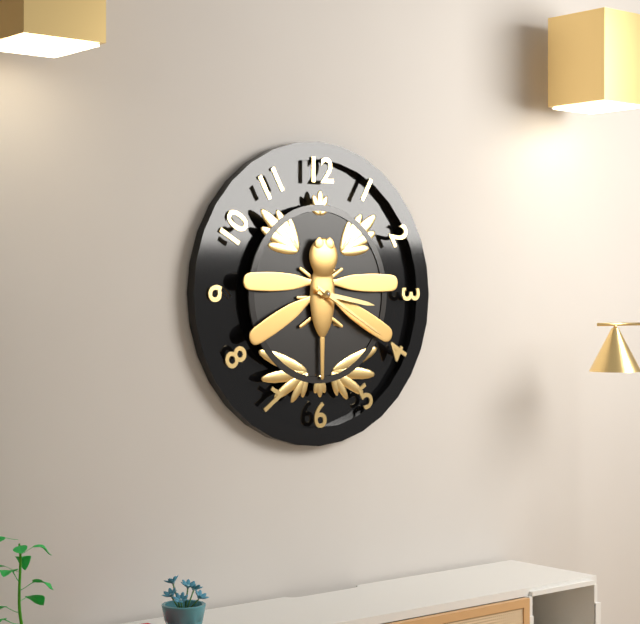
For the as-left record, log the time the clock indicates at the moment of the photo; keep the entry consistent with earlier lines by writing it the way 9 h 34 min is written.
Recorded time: 3 h 20 min
